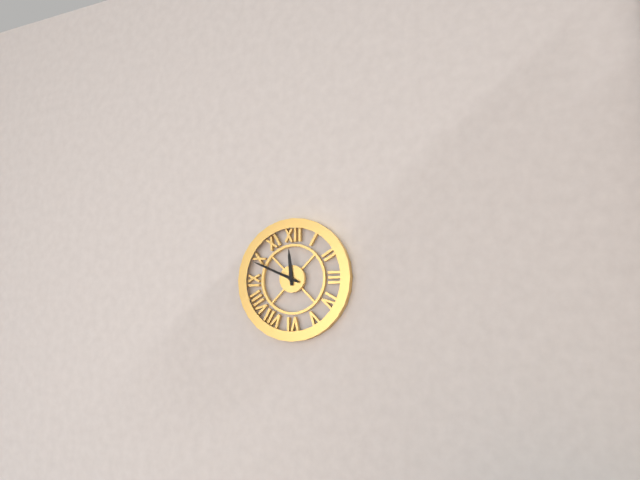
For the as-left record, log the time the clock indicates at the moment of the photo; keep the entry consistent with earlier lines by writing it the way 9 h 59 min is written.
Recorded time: 11 h 49 min
